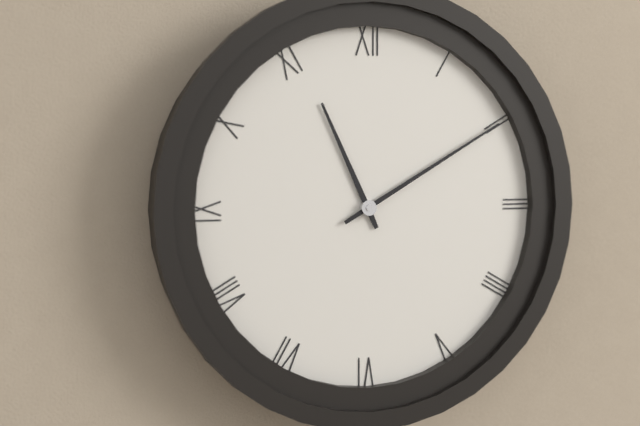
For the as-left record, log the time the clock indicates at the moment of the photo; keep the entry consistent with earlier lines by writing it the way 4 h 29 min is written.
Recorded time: 11 h 10 min
